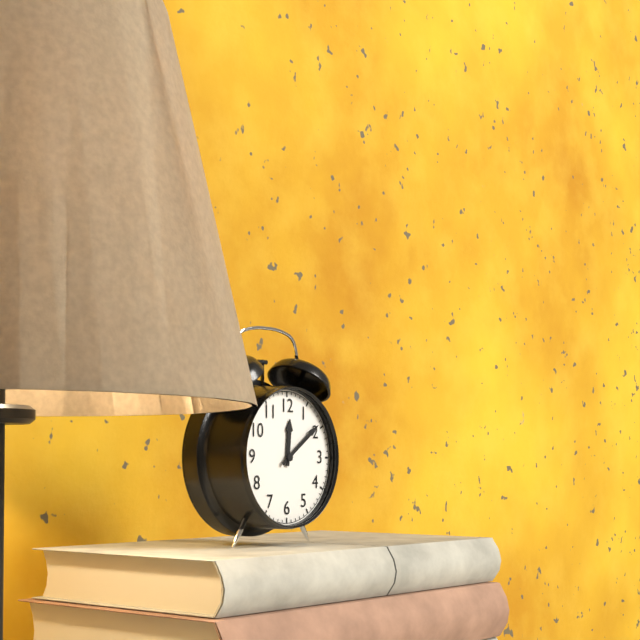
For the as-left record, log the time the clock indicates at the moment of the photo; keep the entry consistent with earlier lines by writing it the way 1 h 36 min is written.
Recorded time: 12 h 09 min
